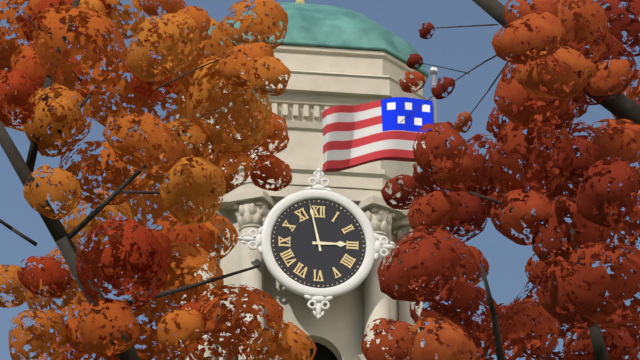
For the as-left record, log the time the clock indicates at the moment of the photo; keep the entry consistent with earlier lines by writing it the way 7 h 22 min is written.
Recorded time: 2 h 58 min
